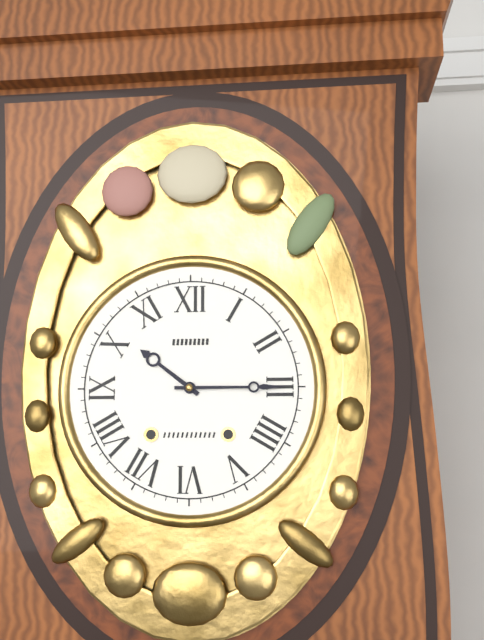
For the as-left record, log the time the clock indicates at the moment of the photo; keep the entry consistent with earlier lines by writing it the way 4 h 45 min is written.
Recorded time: 10 h 15 min
